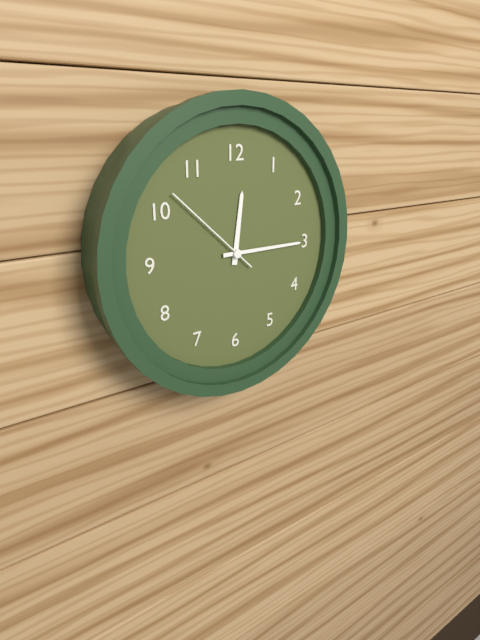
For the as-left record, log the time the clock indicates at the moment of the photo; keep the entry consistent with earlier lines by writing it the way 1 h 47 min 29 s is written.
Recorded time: 12 h 15 min 52 s
